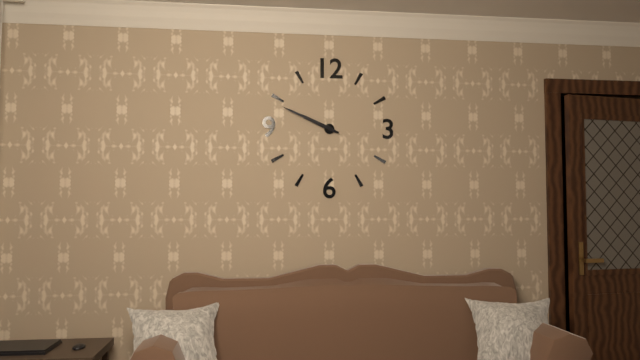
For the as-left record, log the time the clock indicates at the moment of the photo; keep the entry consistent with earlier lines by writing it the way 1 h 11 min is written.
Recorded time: 9 h 49 min
